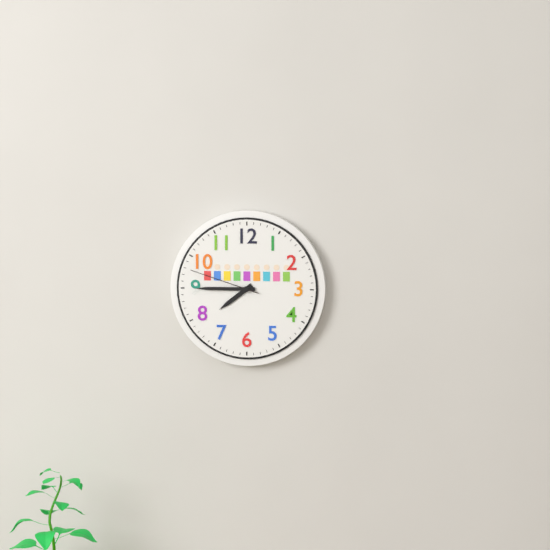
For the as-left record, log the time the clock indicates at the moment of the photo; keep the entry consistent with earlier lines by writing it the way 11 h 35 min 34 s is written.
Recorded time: 7 h 45 min 48 s
